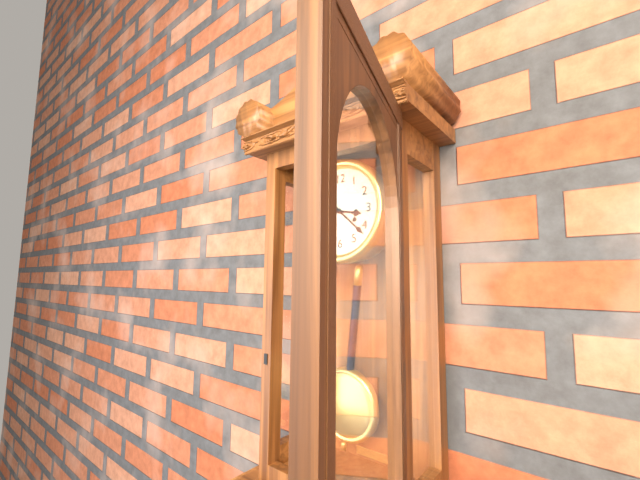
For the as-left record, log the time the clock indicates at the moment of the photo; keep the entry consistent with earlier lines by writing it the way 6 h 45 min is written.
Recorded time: 3 h 22 min
